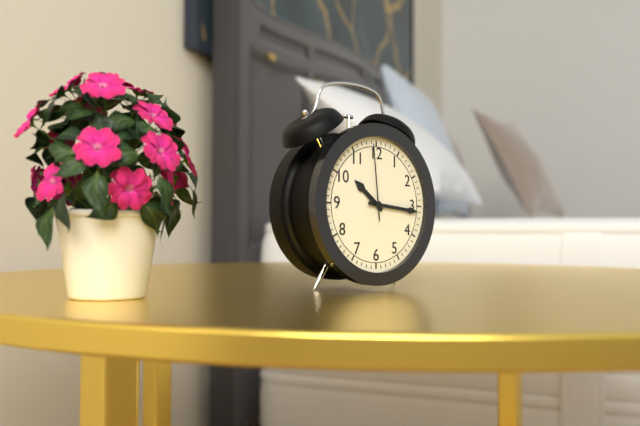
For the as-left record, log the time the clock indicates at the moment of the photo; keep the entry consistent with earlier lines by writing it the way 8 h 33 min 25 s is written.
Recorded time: 10 h 16 min 59 s
